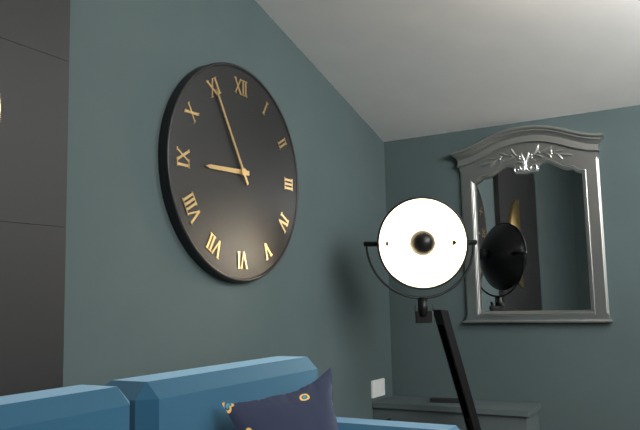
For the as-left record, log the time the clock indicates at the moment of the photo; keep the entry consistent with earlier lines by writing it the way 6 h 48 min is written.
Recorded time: 8 h 55 min
